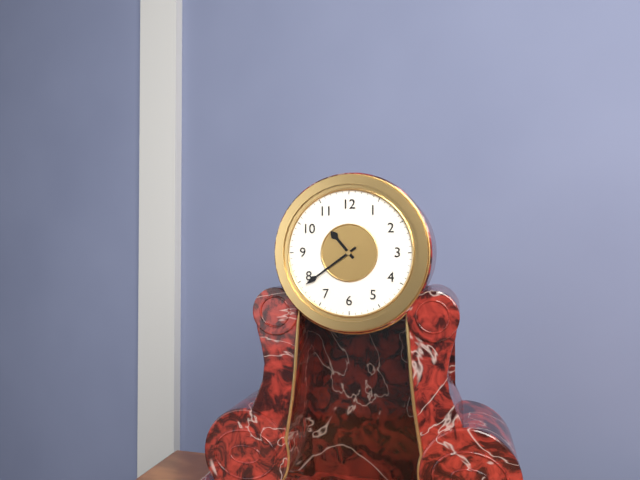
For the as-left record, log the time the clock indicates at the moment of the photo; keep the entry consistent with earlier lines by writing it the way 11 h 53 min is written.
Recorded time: 10 h 39 min
